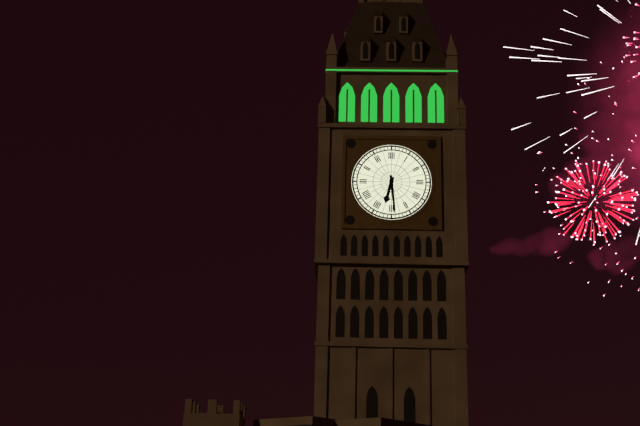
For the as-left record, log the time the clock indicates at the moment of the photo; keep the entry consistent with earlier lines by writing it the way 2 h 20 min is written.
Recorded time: 6 h 29 min
